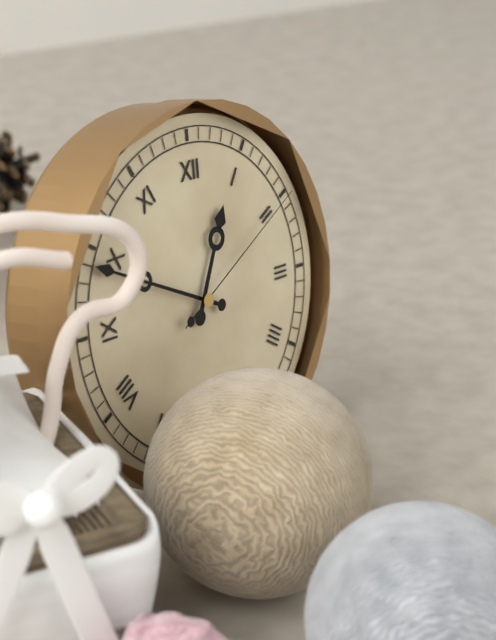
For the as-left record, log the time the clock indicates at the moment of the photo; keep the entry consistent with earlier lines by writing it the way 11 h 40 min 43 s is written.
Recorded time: 12 h 49 min 10 s
